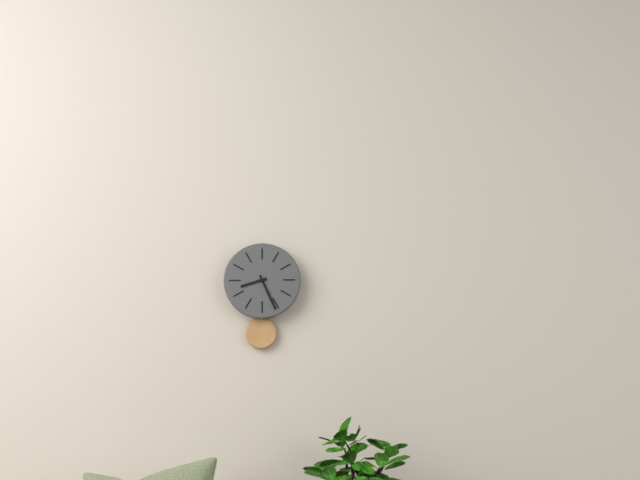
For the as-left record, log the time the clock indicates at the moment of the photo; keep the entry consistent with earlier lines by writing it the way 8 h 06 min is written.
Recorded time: 8 h 26 min
